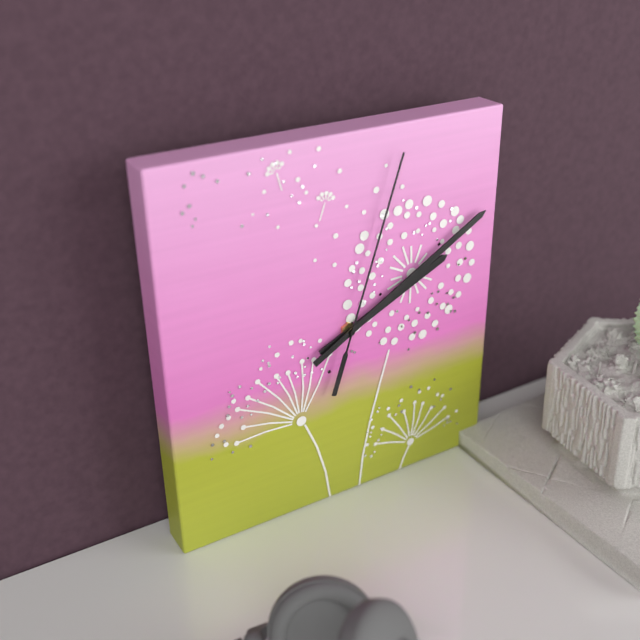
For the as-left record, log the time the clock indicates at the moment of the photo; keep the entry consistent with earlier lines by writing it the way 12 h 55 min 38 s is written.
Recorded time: 2 h 10 min 03 s
